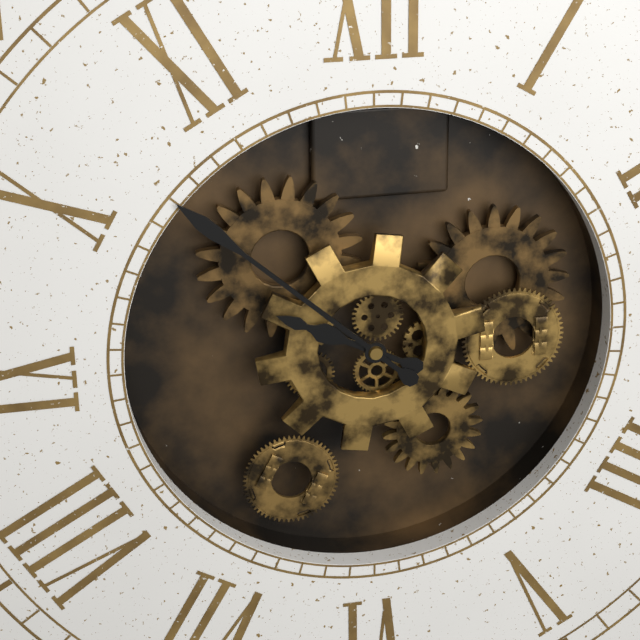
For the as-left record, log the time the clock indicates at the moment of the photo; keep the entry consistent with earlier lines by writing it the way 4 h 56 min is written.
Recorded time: 9 h 52 min
